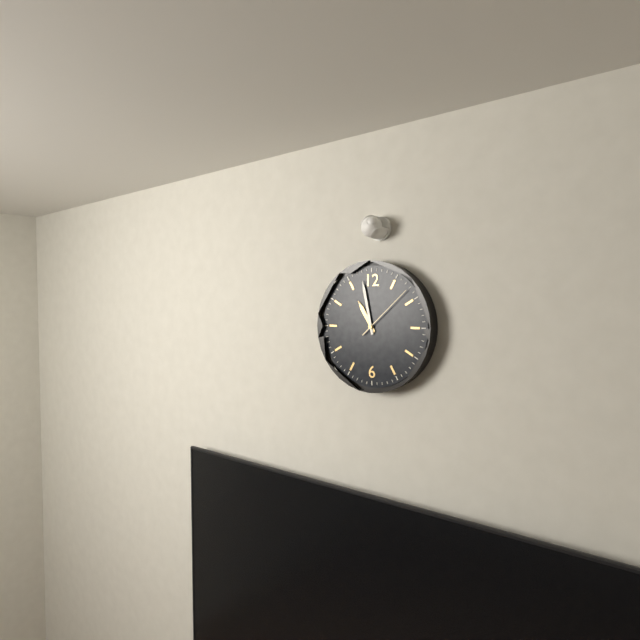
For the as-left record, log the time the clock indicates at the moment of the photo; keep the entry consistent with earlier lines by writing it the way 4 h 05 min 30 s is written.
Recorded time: 10 h 58 min 08 s
